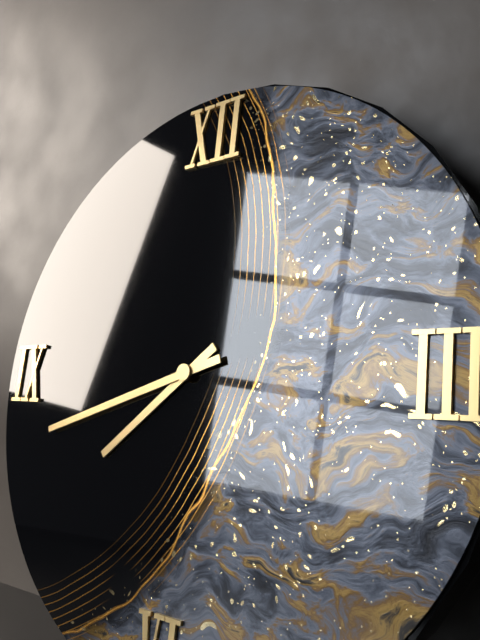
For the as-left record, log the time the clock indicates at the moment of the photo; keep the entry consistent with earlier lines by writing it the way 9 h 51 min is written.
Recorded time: 7 h 42 min
